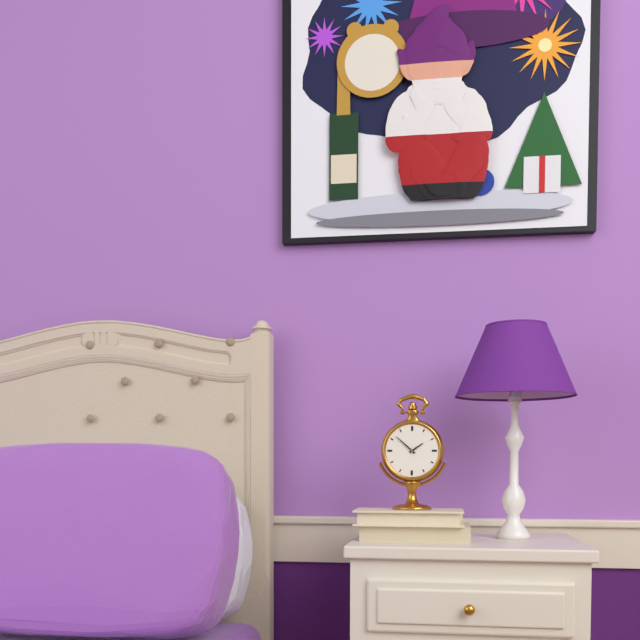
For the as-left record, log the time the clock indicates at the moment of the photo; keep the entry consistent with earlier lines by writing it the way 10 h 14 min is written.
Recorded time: 1 h 52 min
